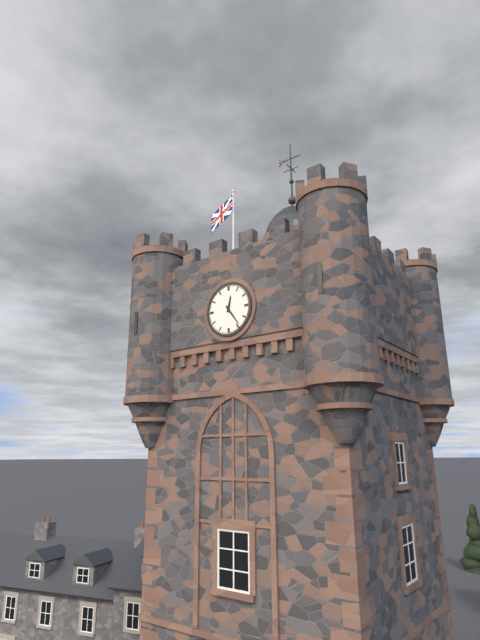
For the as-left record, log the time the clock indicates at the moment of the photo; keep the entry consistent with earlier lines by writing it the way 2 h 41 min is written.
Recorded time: 12 h 24 min
